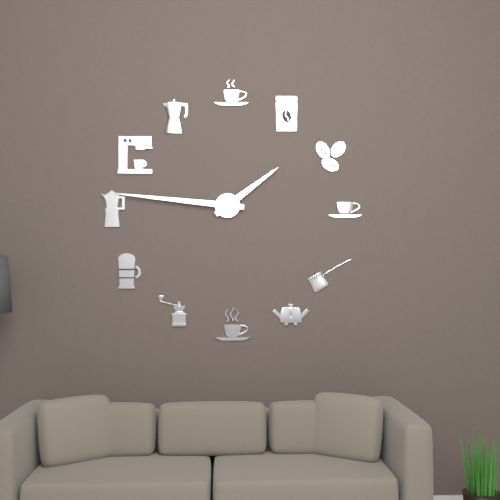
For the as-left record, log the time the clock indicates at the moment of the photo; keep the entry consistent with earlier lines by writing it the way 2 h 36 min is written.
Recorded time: 1 h 46 min
